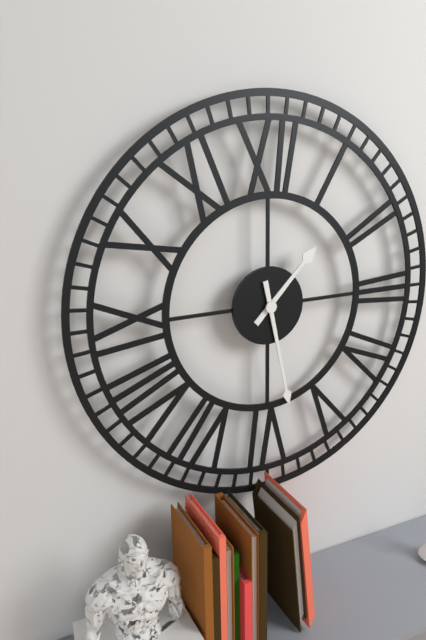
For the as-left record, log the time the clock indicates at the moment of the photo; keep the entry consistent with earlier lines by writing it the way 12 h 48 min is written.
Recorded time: 1 h 28 min
